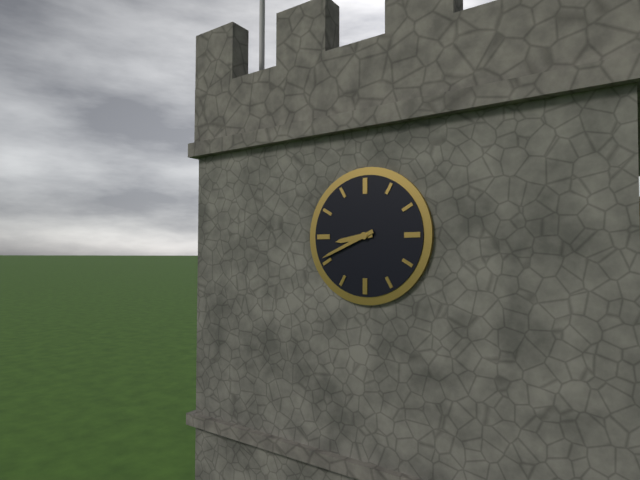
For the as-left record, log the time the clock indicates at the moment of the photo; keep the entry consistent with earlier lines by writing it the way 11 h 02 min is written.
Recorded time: 8 h 41 min
